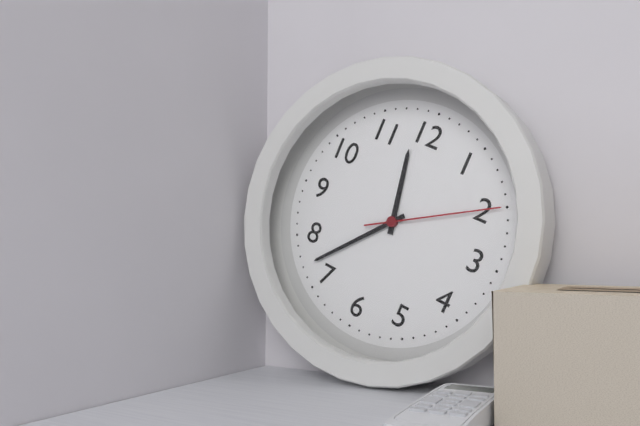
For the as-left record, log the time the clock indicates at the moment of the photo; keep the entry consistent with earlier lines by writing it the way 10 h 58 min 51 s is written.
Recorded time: 11 h 37 min 10 s
